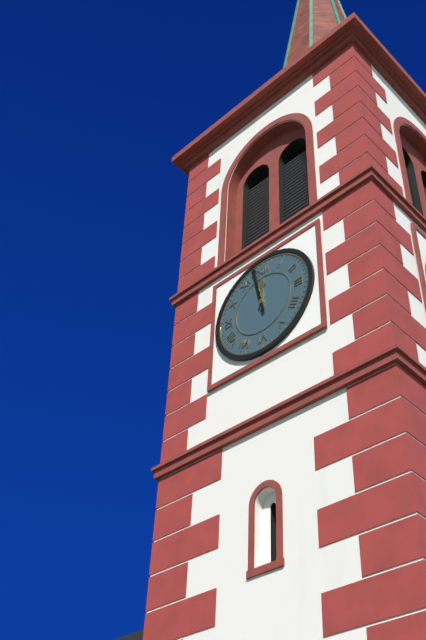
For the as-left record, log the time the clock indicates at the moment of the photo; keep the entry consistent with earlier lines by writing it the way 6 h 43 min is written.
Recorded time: 11 h 58 min
